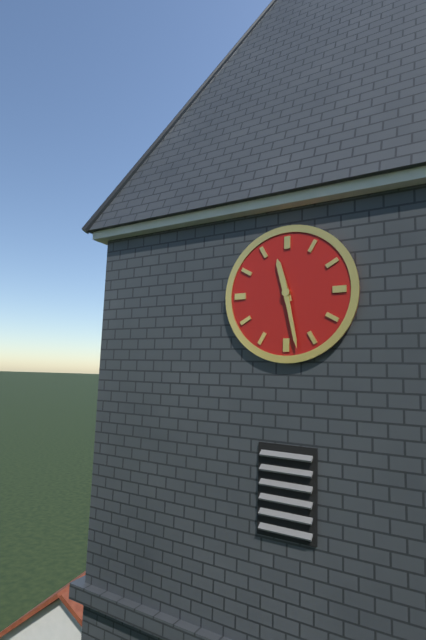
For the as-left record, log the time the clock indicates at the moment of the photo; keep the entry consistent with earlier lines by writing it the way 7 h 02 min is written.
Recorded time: 11 h 28 min
